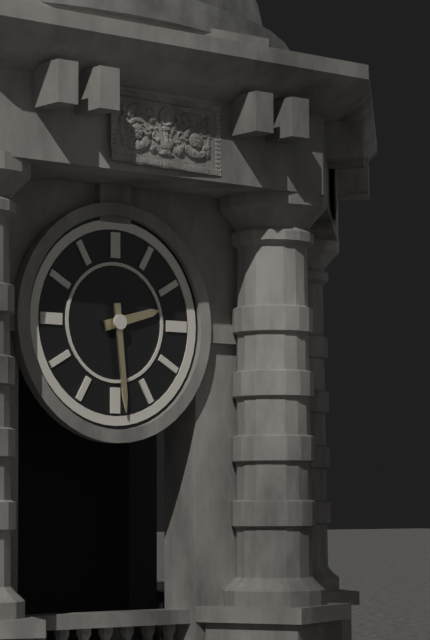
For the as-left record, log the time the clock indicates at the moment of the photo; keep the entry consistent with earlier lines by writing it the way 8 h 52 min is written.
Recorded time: 2 h 29 min
